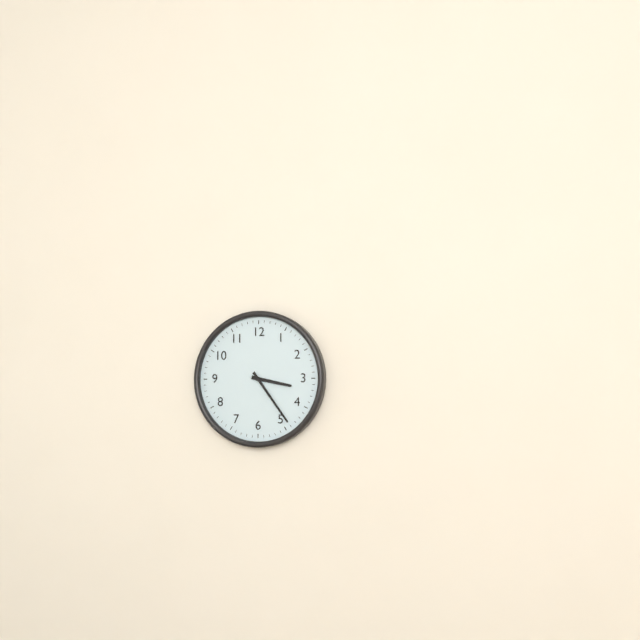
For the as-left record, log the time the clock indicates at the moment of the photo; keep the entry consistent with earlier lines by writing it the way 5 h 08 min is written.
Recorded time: 3 h 24 min
